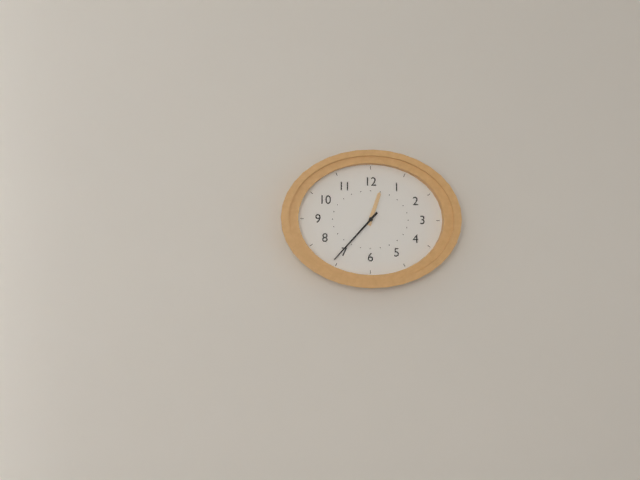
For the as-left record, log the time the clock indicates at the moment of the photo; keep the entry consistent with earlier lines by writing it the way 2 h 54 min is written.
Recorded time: 12 h 37 min
